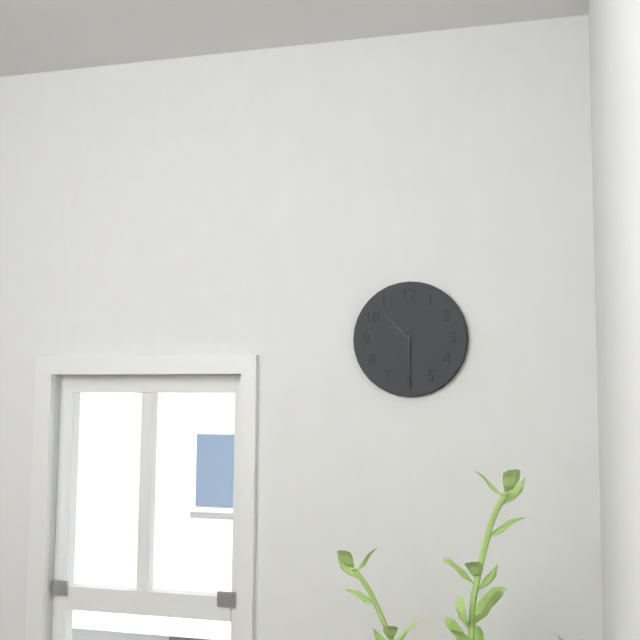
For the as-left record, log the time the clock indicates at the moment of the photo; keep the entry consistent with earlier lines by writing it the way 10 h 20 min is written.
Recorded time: 10 h 30 min
